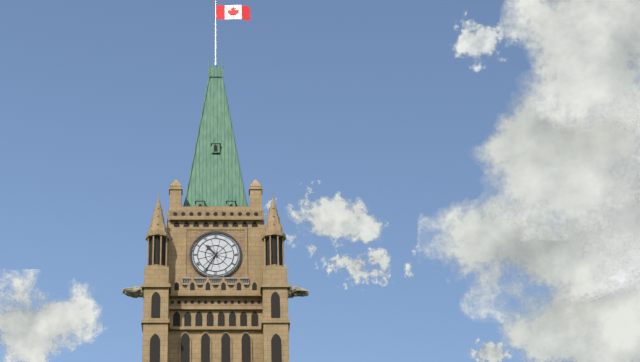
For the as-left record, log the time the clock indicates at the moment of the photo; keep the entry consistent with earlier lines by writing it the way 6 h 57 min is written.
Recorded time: 10 h 35 min
